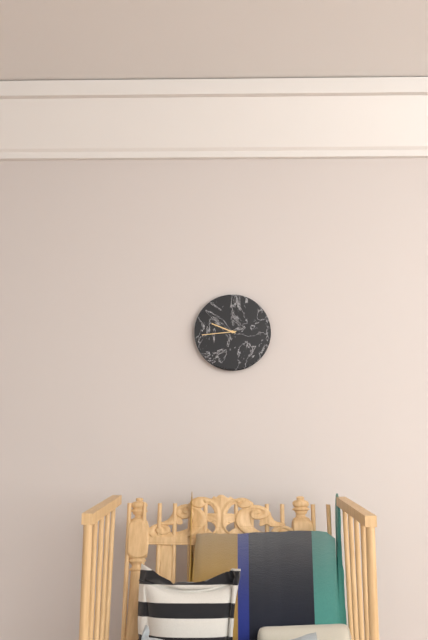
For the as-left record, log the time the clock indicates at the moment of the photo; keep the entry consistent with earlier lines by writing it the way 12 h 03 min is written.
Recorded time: 9 h 44 min
